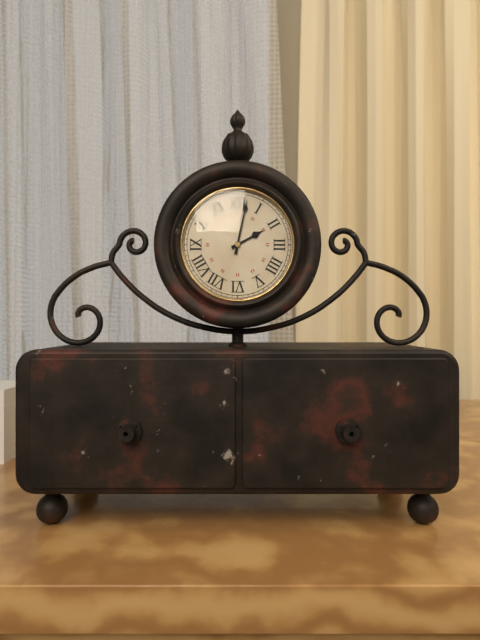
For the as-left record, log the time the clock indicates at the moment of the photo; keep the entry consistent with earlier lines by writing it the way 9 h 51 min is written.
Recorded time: 2 h 02 min
